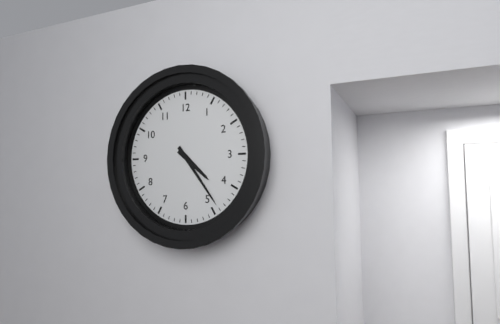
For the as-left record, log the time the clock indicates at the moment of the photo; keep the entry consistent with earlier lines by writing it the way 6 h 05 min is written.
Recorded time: 4 h 24 min
